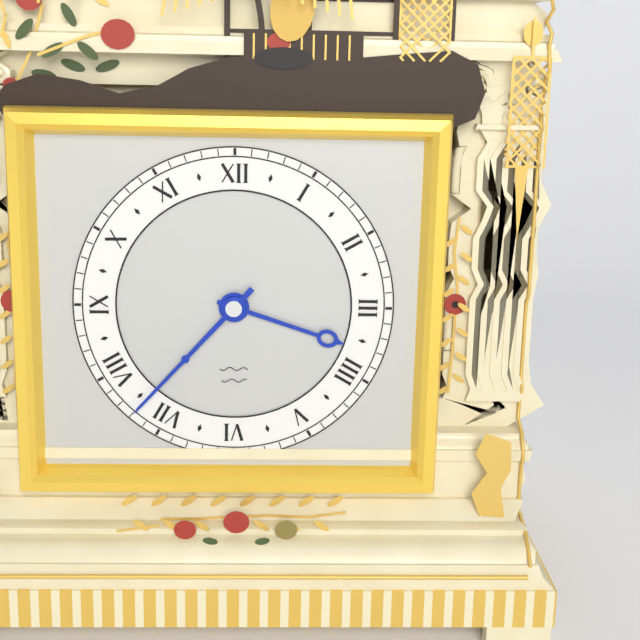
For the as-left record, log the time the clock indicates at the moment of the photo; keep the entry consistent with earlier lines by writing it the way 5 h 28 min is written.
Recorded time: 3 h 37 min
